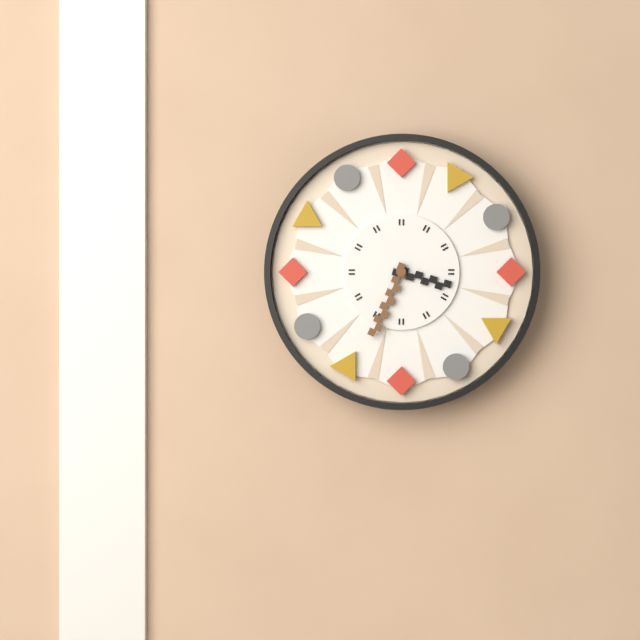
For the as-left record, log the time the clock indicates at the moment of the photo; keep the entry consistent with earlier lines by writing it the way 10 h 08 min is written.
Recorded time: 3 h 34 min
